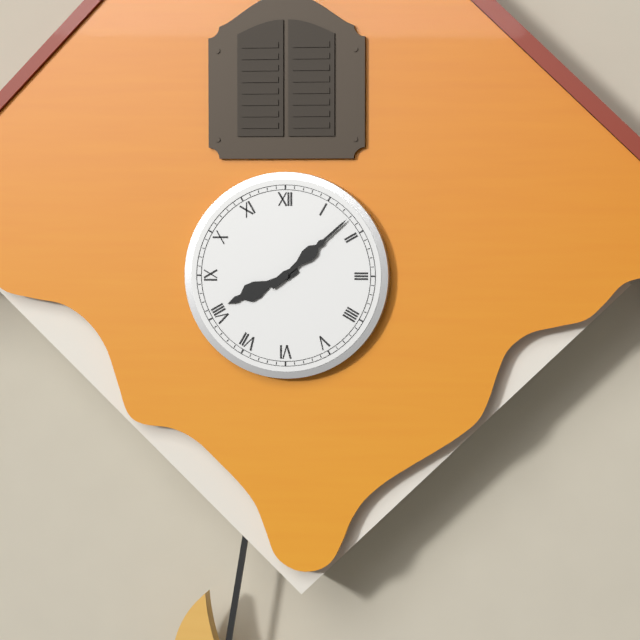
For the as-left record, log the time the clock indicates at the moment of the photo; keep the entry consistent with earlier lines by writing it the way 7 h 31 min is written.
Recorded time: 8 h 08 min
